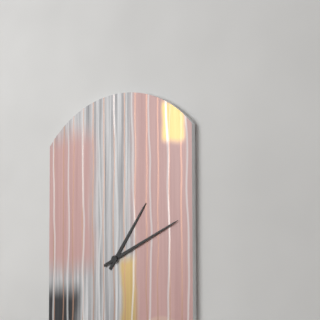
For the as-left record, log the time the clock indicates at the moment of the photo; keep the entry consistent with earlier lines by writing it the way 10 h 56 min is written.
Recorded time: 1 h 11 min
